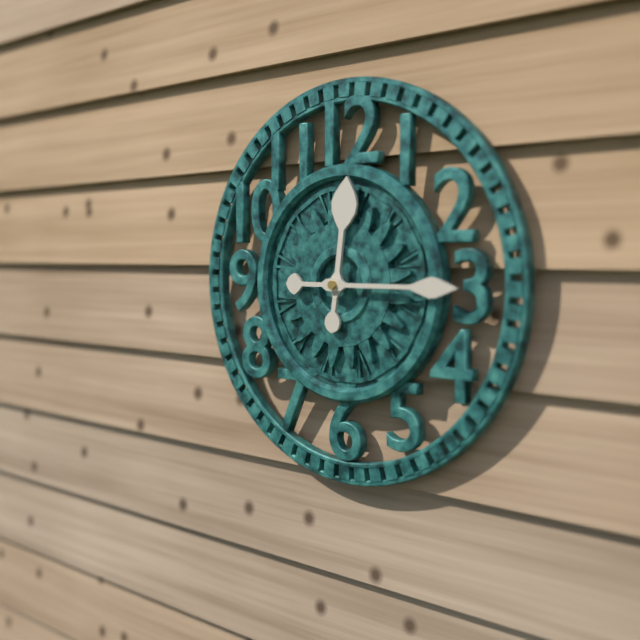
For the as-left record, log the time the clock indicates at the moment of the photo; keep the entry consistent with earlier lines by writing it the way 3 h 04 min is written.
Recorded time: 12 h 15 min
